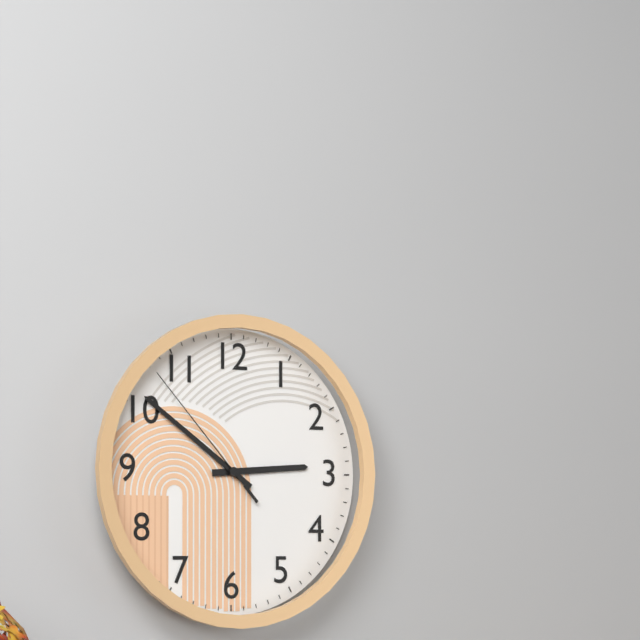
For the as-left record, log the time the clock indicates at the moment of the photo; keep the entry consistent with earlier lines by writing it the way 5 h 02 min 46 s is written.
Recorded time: 2 h 51 min 53 s
